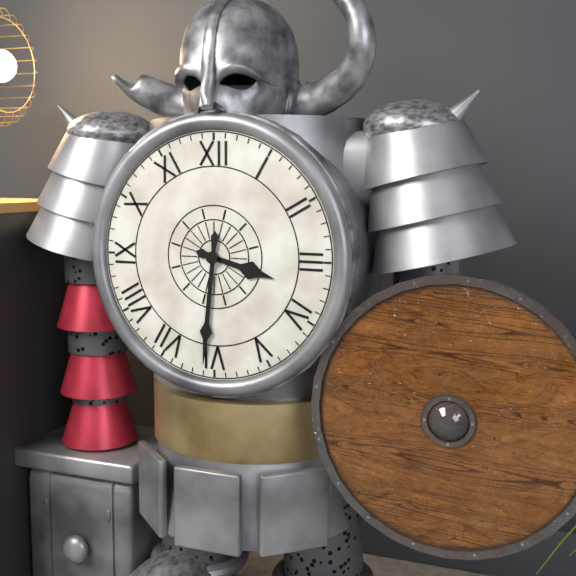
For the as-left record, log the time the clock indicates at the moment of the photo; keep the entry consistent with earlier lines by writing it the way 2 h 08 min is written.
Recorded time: 3 h 31 min
